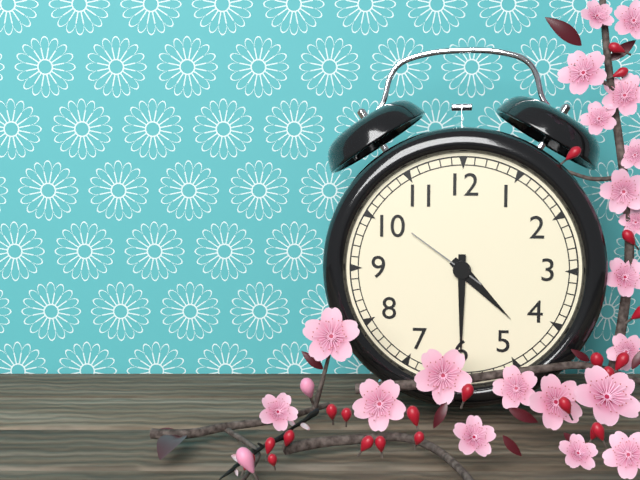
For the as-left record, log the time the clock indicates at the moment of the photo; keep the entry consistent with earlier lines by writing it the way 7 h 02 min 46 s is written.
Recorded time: 4 h 30 min 51 s
